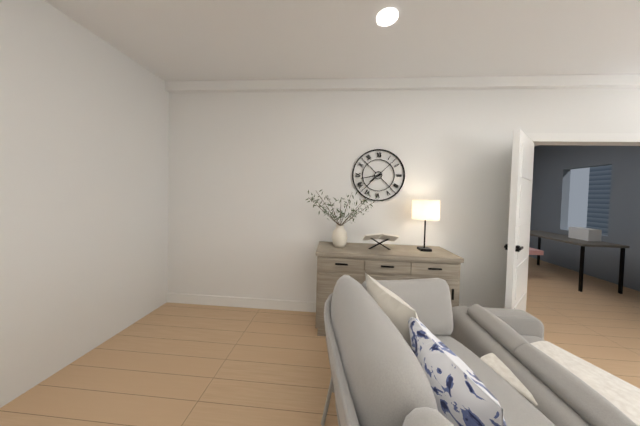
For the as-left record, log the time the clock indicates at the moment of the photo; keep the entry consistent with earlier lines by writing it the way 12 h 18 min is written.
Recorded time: 7 h 43 min
